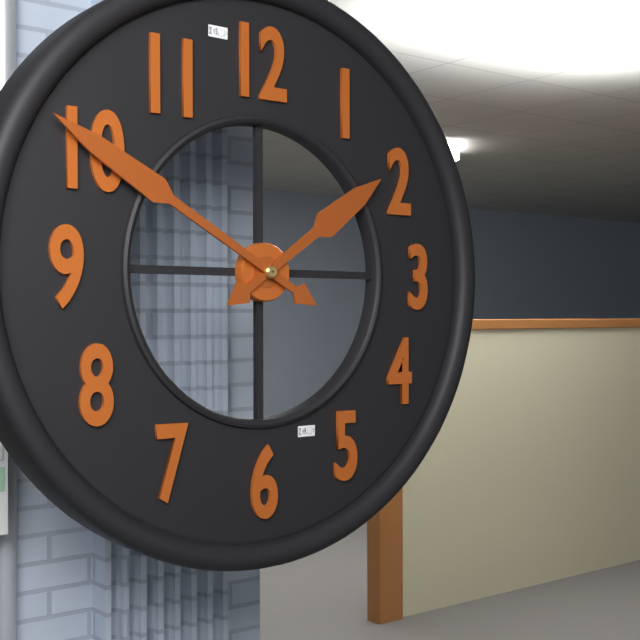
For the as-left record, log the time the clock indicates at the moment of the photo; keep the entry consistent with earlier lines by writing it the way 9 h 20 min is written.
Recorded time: 1 h 50 min
